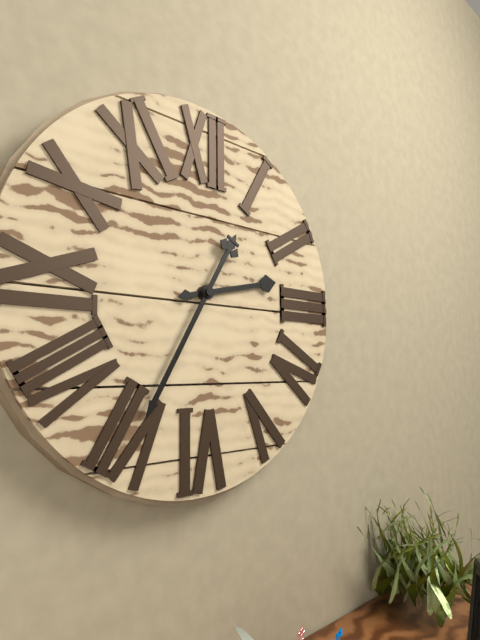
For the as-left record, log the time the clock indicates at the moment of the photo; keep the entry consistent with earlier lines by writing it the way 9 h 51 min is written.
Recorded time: 2 h 35 min
